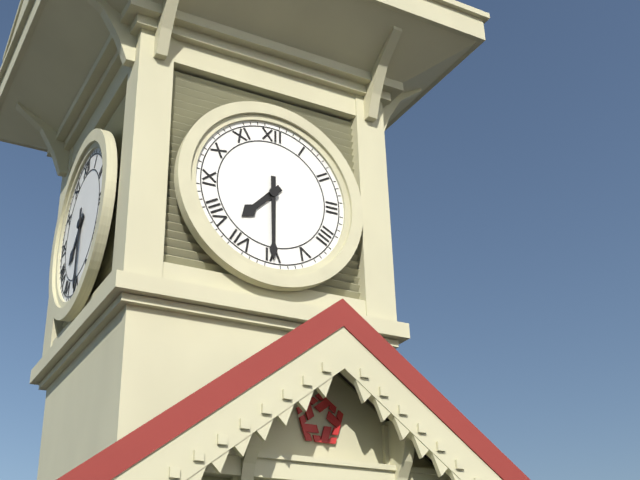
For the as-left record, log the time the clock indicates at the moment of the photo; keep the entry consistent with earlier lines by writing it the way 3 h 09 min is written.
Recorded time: 7 h 30 min
